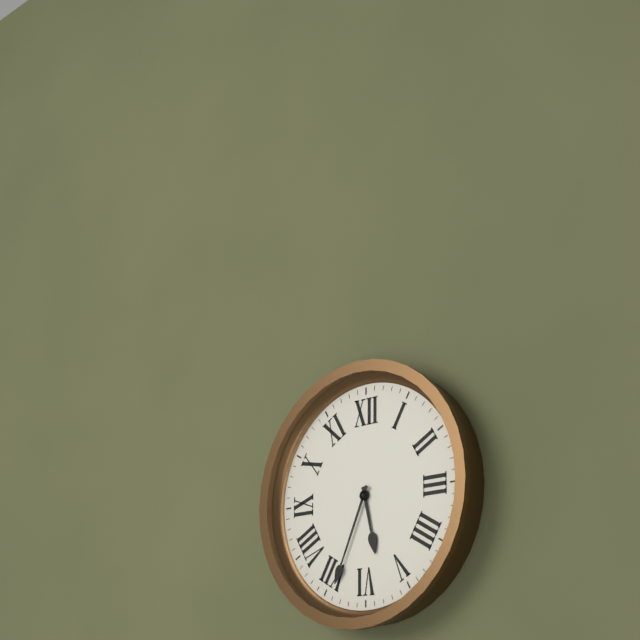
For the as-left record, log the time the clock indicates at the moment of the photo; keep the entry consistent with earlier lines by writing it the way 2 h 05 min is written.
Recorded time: 5 h 34 min
